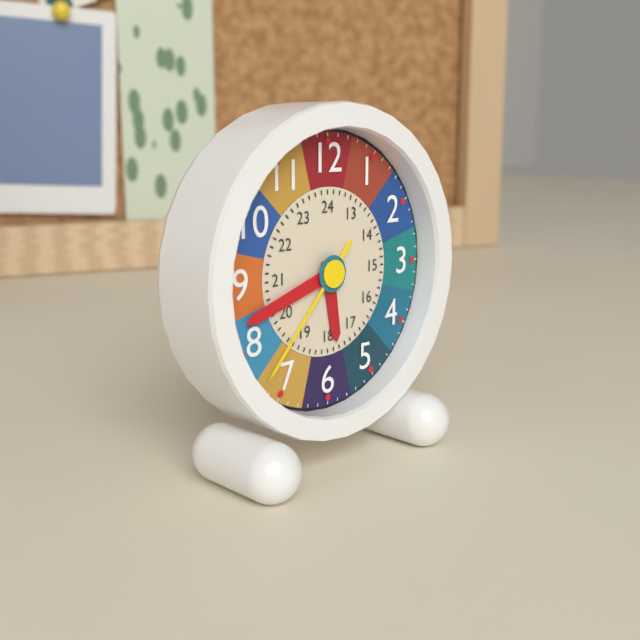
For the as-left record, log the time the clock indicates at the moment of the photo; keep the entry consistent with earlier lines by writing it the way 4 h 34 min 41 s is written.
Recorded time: 5 h 42 min 37 s
